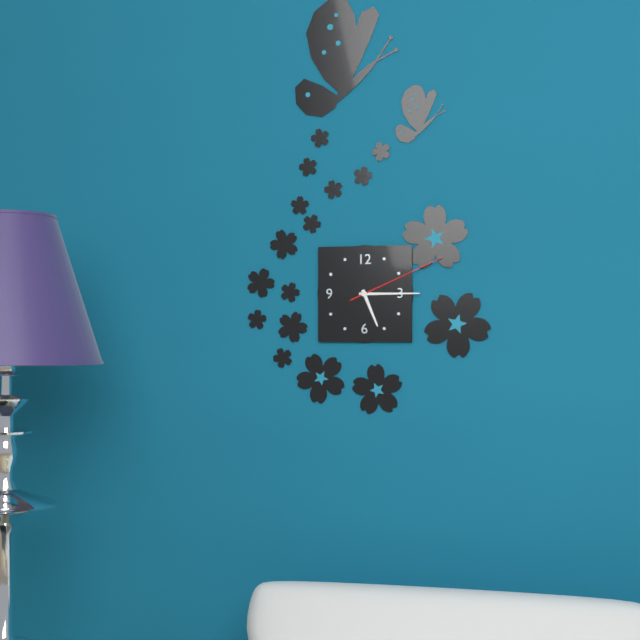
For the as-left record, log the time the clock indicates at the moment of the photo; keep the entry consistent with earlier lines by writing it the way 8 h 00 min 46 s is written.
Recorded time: 5 h 15 min 11 s
